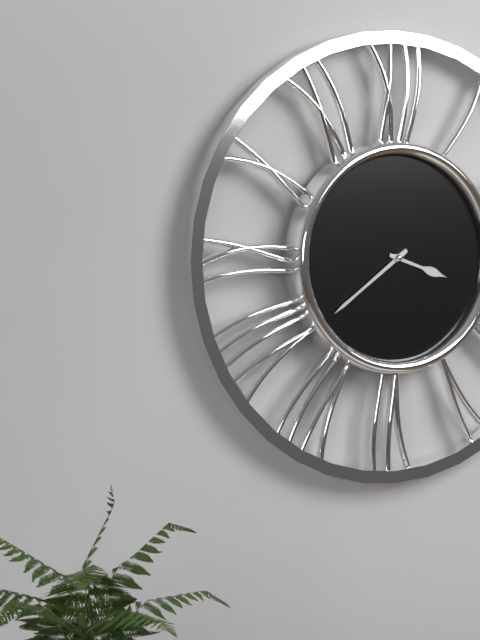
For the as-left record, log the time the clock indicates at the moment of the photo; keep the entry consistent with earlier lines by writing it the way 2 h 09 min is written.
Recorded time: 3 h 39 min
